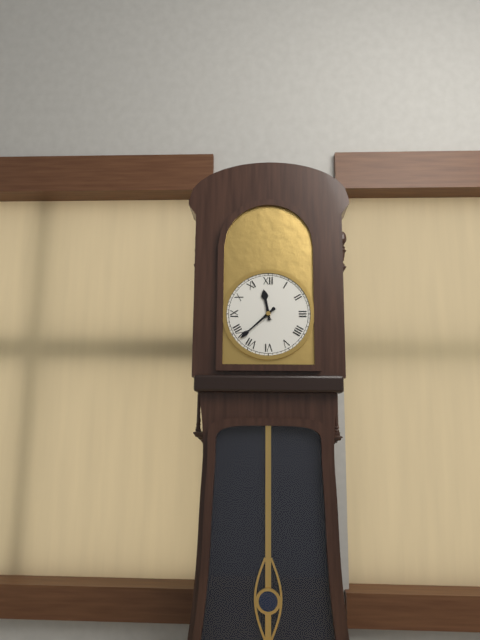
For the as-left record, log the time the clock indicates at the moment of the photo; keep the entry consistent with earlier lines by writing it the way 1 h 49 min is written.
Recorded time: 11 h 38 min
